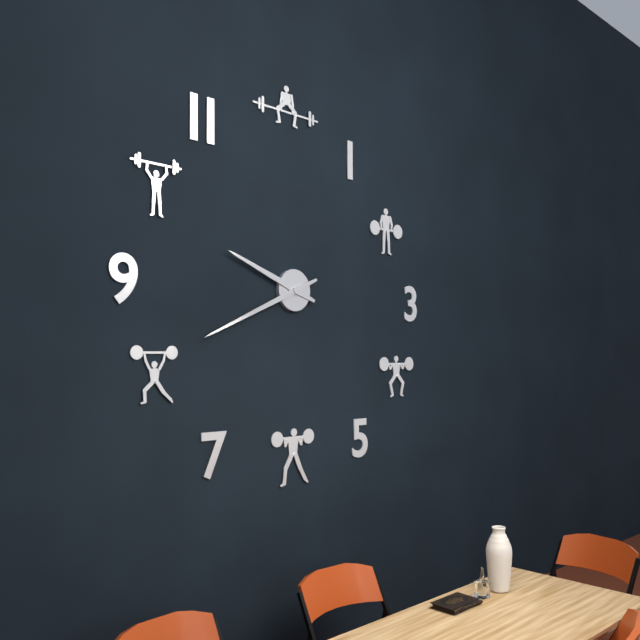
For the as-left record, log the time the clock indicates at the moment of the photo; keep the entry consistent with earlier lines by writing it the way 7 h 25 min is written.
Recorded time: 9 h 41 min
